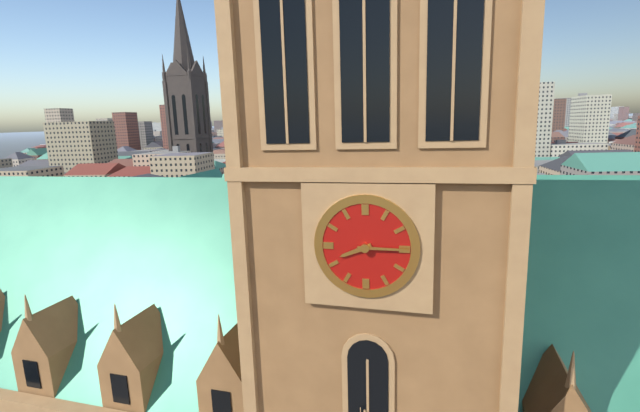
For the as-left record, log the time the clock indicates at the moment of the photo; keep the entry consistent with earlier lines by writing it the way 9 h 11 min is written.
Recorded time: 8 h 15 min
